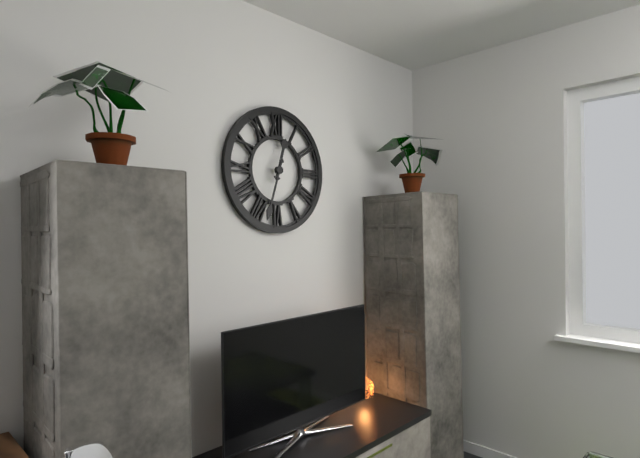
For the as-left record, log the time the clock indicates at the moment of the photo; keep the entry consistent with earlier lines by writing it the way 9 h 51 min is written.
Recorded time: 12 h 33 min
